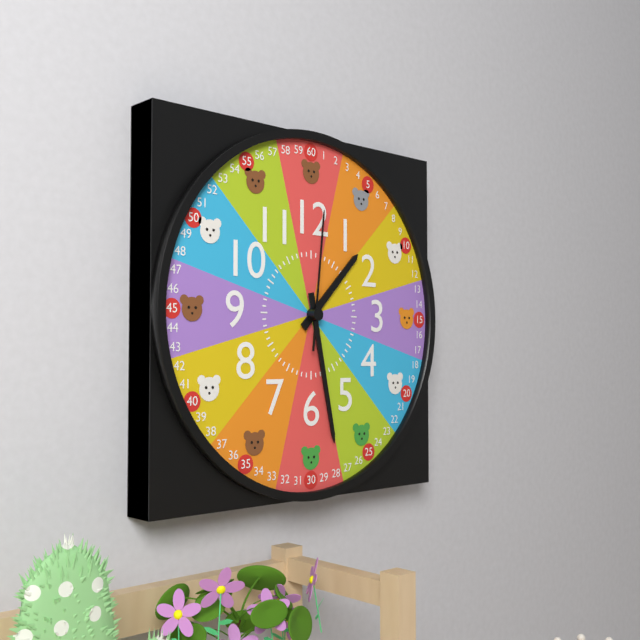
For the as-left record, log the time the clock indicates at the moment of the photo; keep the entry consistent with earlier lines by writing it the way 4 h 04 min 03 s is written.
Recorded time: 1 h 28 min 01 s
